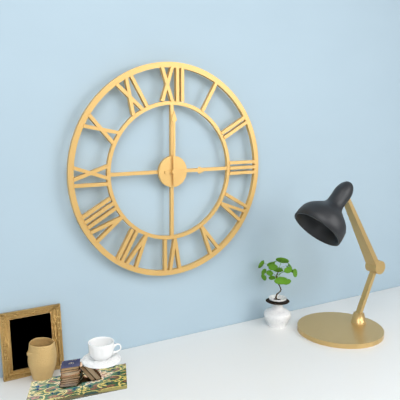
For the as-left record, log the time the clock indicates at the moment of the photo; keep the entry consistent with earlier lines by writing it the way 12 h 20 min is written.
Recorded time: 3 h 00 min
